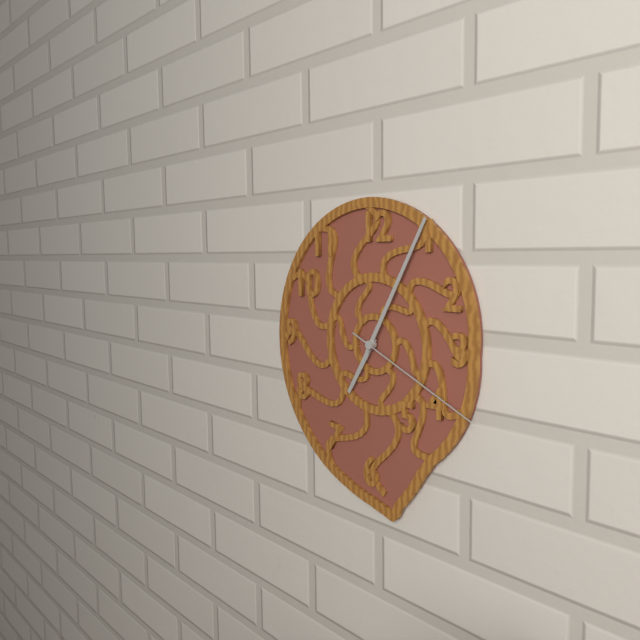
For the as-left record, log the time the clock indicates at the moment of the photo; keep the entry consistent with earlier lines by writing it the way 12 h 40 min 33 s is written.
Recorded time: 7 h 05 min 19 s
